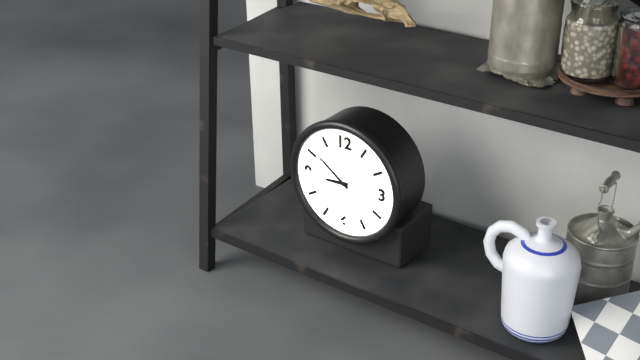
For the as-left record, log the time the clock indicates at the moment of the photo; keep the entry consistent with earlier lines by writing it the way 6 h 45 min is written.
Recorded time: 8 h 51 min
